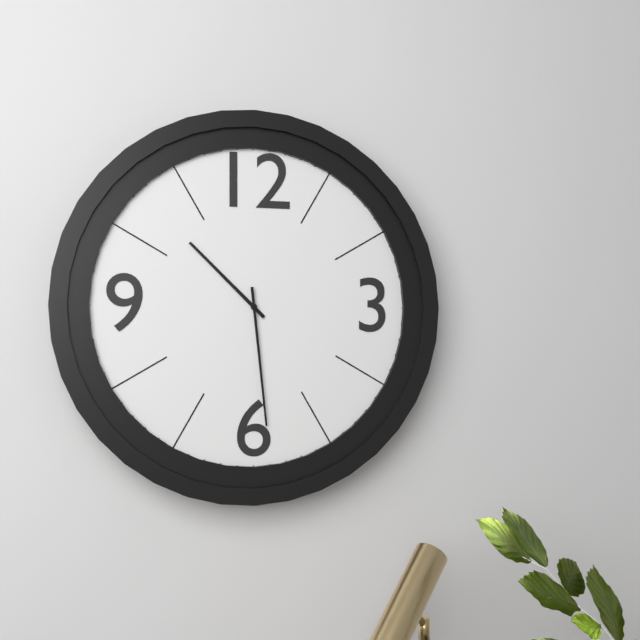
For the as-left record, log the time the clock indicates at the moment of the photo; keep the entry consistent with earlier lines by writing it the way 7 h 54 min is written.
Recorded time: 10 h 29 min
